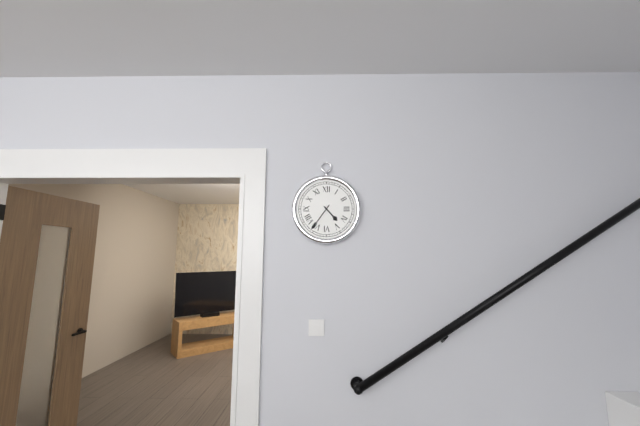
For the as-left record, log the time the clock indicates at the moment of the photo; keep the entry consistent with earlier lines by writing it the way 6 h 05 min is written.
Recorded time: 4 h 36 min
